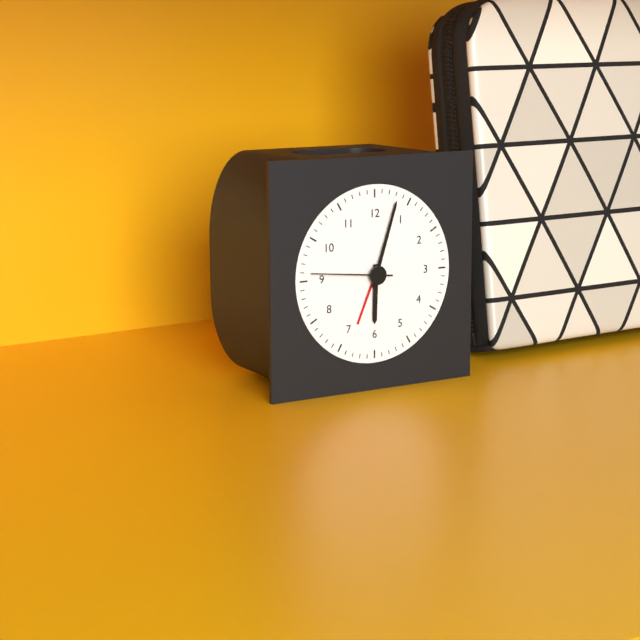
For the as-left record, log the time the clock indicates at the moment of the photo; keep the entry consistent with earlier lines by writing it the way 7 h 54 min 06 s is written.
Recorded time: 6 h 03 min 46 s
